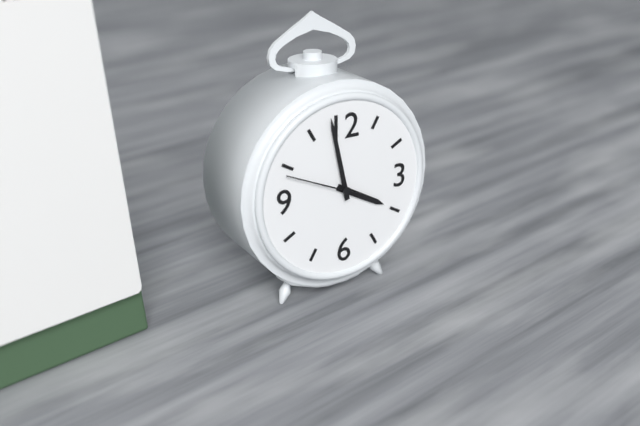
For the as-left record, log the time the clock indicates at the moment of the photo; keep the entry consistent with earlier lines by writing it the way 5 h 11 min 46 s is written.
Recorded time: 3 h 58 min 49 s
